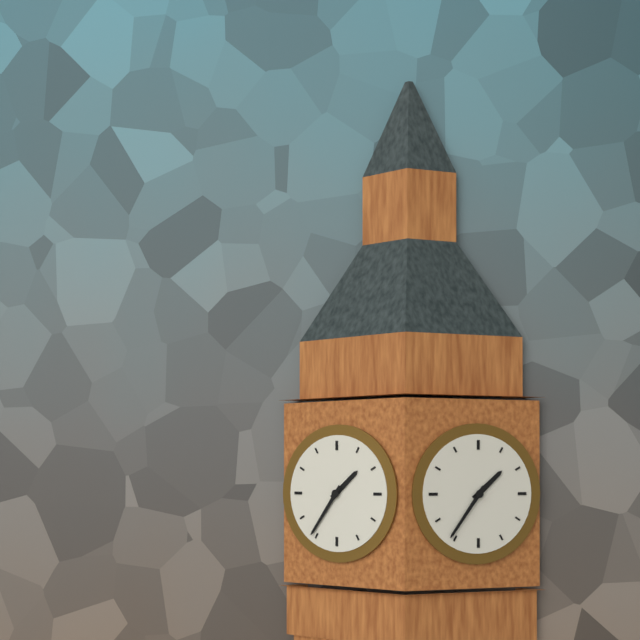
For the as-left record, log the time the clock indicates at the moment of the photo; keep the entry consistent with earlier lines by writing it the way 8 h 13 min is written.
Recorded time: 1 h 36 min
